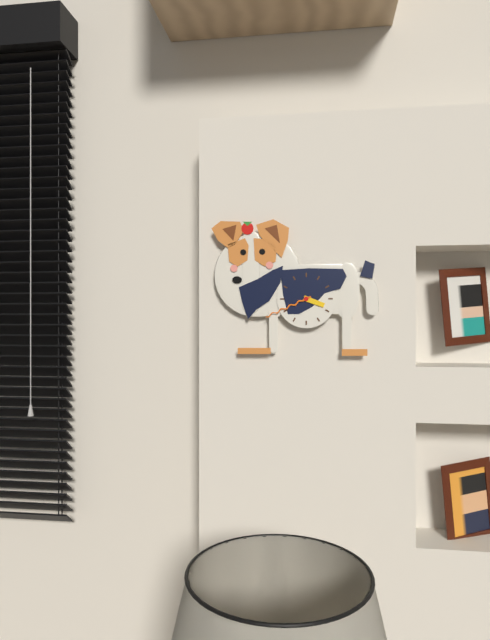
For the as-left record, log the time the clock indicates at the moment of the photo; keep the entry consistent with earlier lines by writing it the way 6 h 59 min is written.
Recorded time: 3 h 41 min
